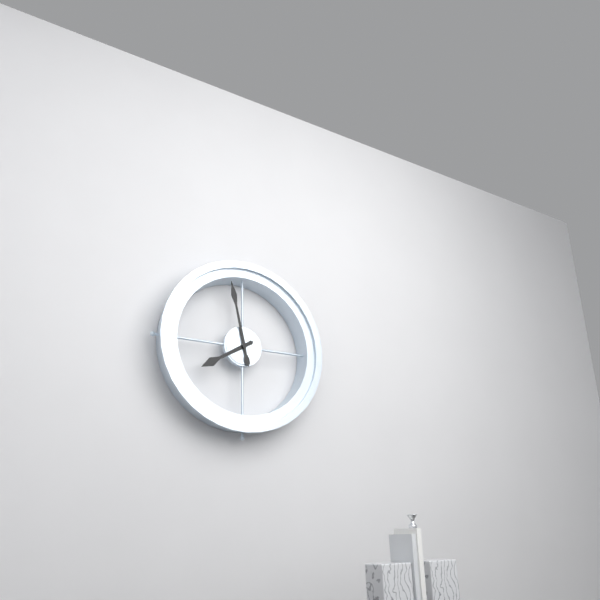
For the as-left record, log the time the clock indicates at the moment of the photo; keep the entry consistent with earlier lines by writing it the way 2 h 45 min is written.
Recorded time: 7 h 58 min
